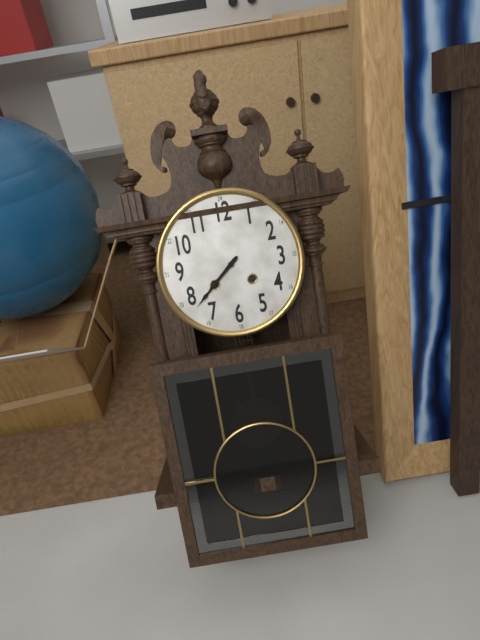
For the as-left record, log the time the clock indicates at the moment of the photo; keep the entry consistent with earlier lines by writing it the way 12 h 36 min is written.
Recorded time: 7 h 38 min
